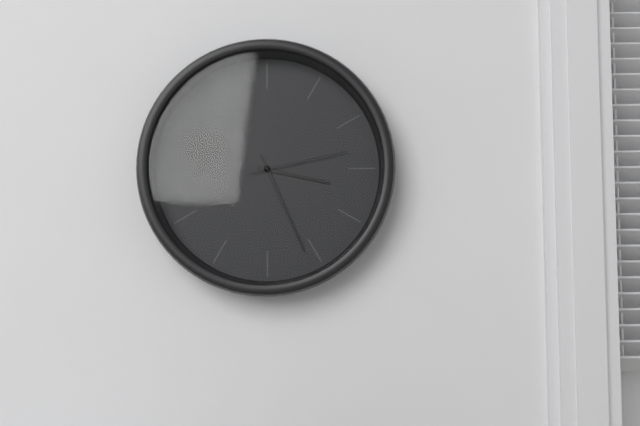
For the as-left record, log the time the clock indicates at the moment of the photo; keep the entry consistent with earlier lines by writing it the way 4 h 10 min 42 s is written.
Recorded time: 3 h 26 min 13 s
